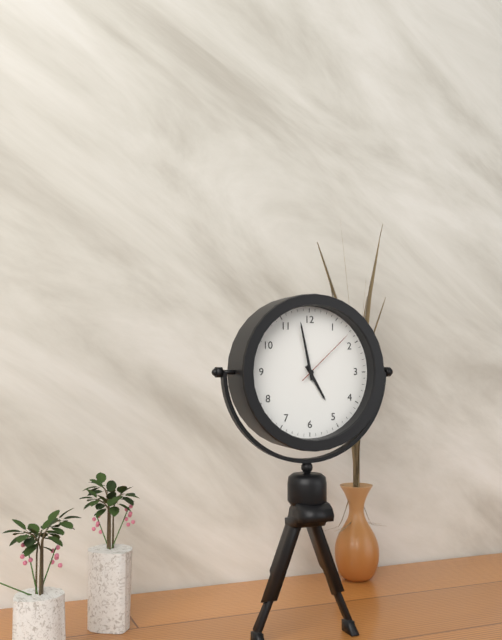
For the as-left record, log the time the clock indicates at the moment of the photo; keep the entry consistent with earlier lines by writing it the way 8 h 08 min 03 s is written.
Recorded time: 4 h 58 min 08 s
